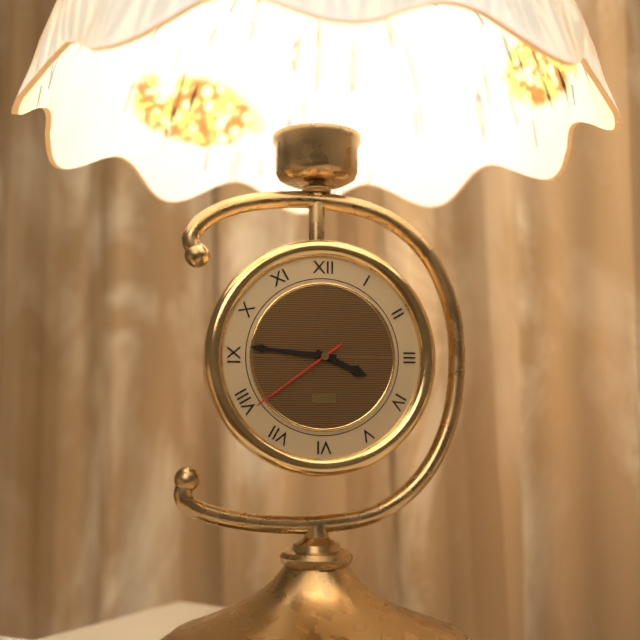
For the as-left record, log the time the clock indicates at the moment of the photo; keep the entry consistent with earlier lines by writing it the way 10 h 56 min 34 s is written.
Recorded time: 3 h 46 min 39 s
